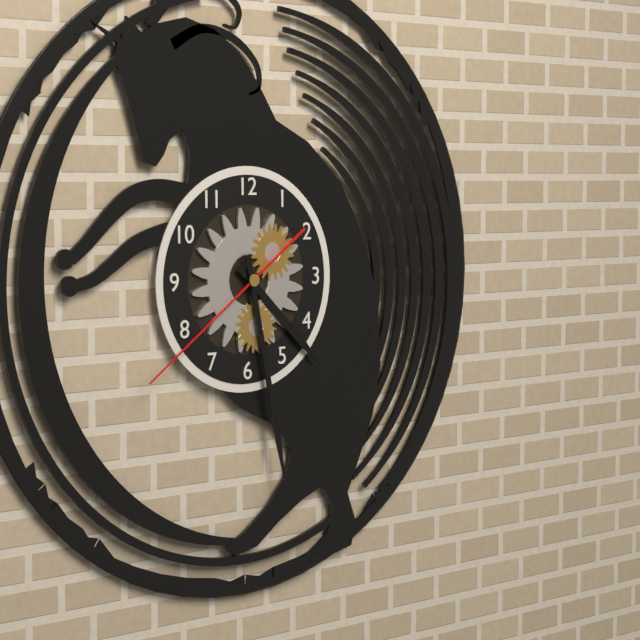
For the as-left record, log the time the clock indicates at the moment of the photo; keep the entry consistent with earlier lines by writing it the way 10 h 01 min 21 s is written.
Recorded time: 4 h 28 min 39 s
